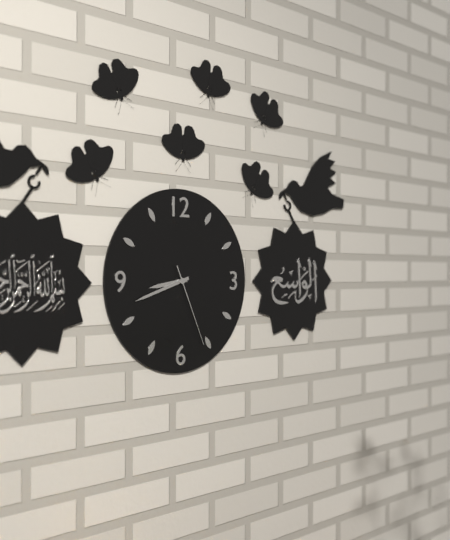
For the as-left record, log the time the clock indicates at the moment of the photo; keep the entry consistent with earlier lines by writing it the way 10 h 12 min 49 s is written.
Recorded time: 8 h 42 min 26 s
